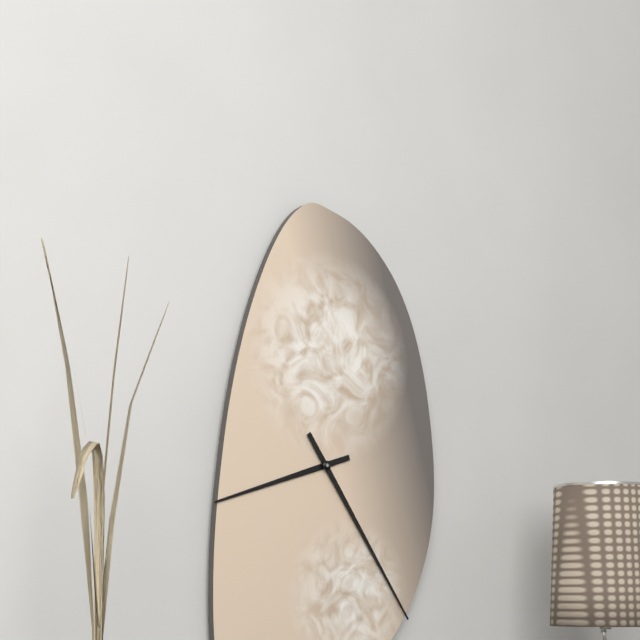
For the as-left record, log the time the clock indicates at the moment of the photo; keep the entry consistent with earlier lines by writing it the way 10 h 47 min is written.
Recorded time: 8 h 24 min
